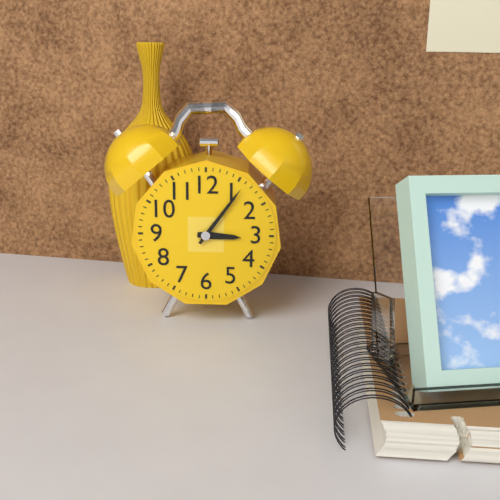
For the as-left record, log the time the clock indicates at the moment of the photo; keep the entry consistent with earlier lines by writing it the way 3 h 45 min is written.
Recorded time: 3 h 06 min
